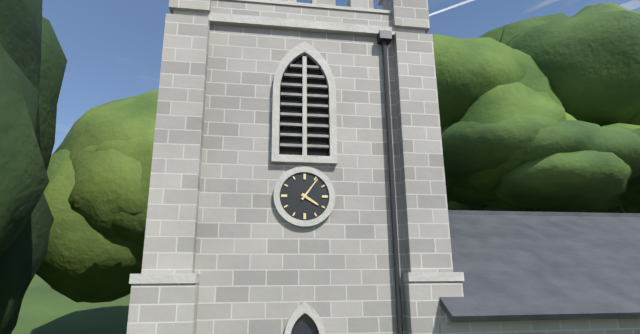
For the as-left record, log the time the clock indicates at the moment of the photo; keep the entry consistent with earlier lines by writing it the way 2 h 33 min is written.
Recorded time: 4 h 06 min
